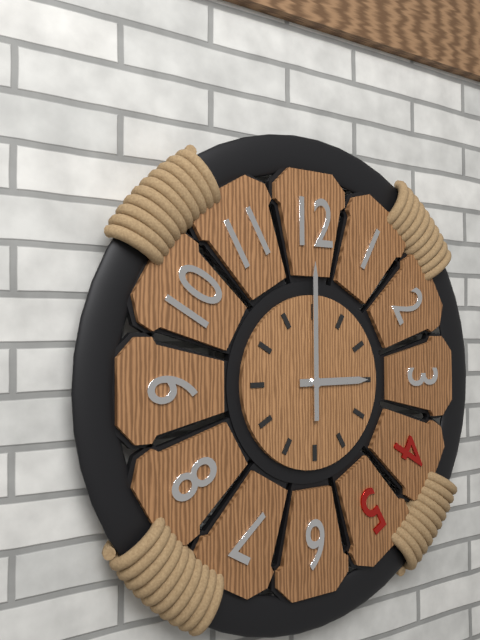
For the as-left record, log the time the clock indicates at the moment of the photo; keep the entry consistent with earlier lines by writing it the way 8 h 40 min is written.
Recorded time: 3 h 00 min
